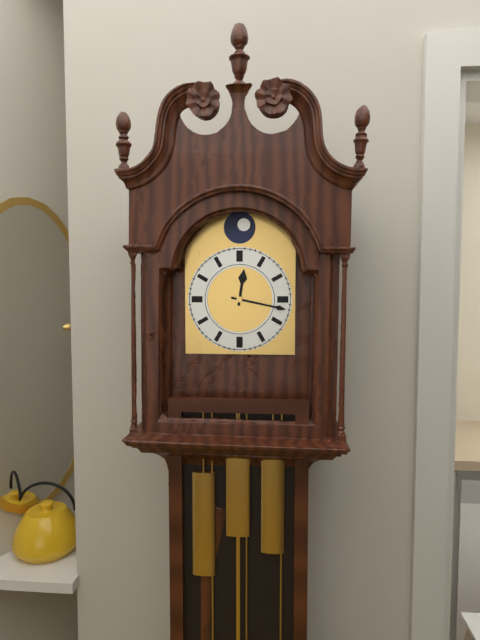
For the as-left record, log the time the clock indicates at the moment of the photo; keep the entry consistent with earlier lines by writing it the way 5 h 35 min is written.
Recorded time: 12 h 17 min
